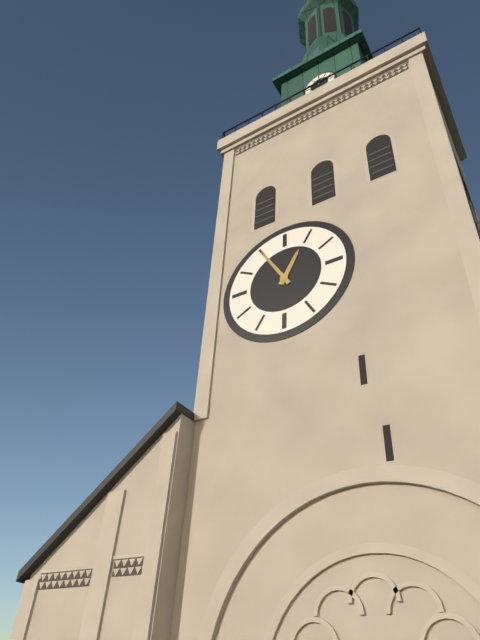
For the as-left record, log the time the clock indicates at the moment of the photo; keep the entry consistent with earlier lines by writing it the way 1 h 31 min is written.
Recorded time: 12 h 55 min
